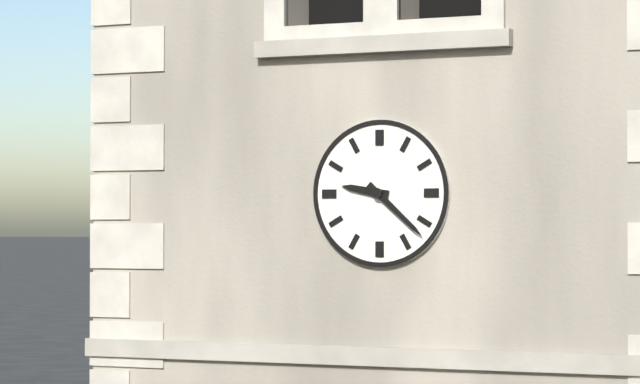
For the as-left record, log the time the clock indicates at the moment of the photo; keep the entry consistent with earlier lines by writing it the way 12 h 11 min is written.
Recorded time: 9 h 22 min
